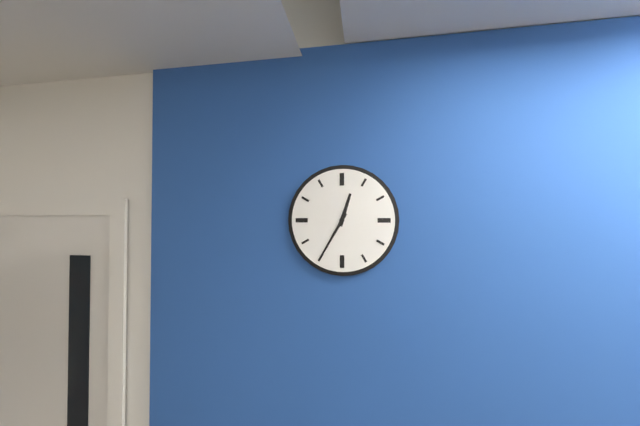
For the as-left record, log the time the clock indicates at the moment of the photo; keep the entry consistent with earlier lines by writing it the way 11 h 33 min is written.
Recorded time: 12 h 35 min
